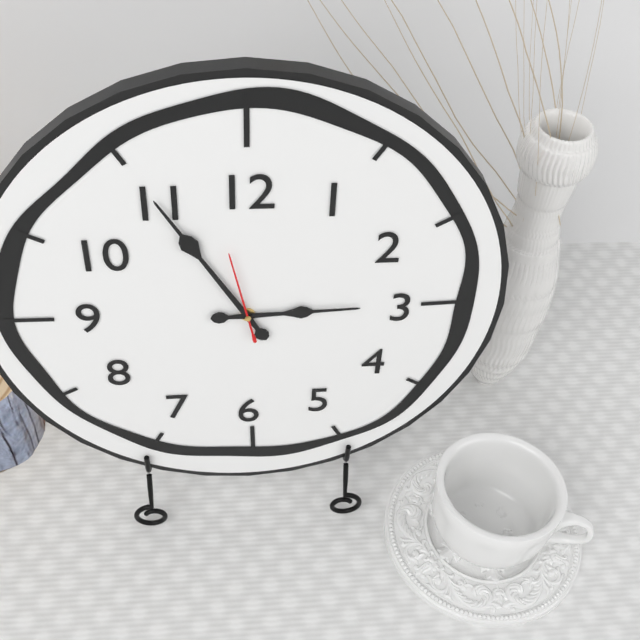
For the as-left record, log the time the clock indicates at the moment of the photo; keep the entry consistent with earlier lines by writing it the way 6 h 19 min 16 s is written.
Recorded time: 2 h 55 min 58 s
